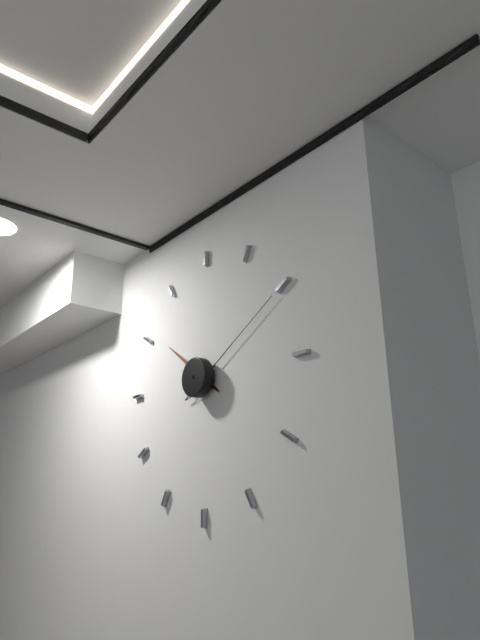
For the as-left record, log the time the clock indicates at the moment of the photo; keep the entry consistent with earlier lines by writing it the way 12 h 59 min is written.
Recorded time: 10 h 10 min
